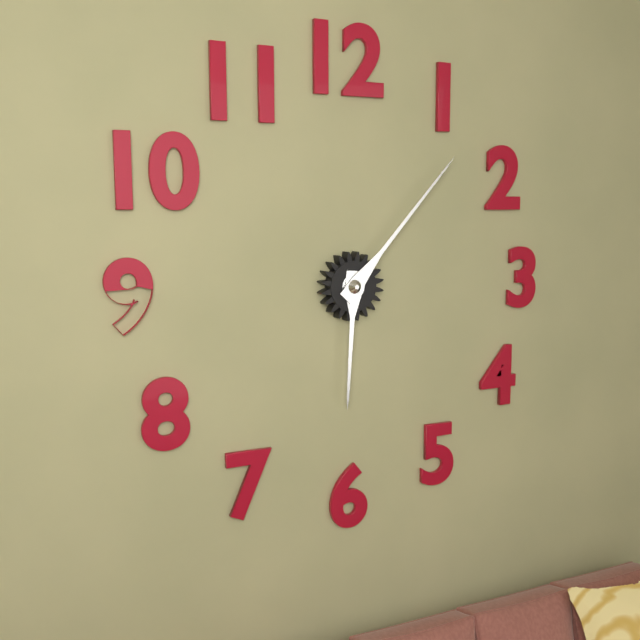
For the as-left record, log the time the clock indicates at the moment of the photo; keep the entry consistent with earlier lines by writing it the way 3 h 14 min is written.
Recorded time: 6 h 07 min
